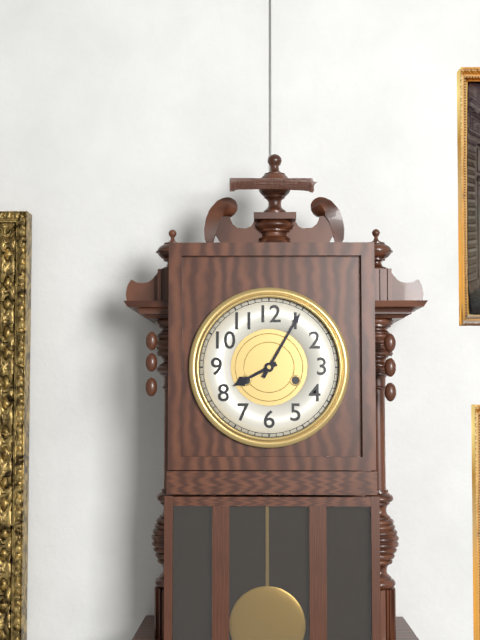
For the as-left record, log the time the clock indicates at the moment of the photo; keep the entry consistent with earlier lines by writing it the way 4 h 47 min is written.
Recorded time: 8 h 05 min
